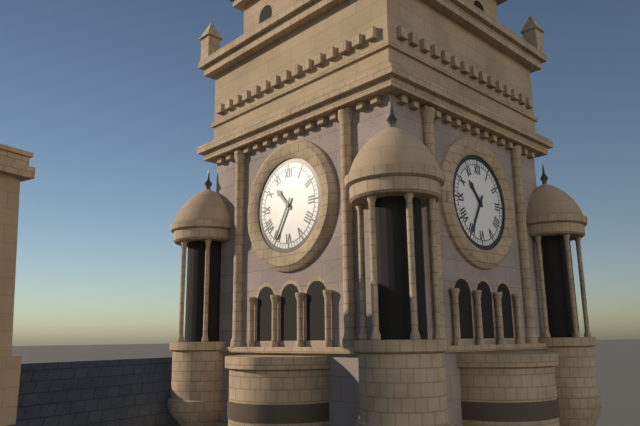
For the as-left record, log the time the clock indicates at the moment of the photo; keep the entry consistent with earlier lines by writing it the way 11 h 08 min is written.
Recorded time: 10 h 35 min
